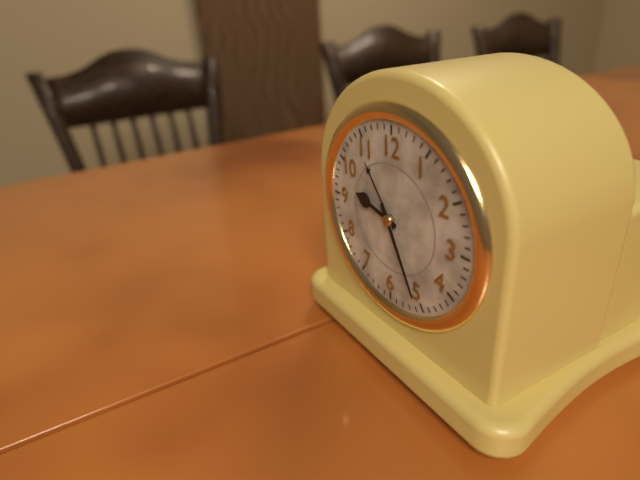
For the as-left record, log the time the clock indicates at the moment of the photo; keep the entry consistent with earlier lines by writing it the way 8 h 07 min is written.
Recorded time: 9 h 25 min
